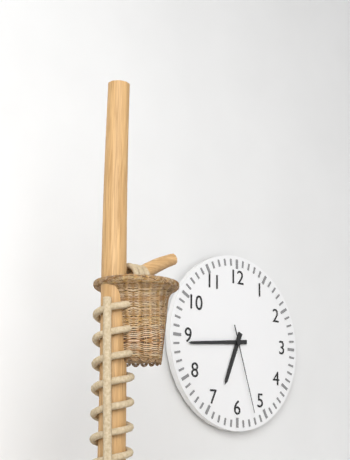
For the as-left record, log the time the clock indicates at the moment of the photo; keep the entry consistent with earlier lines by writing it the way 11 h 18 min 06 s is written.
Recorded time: 6 h 44 min 27 s
